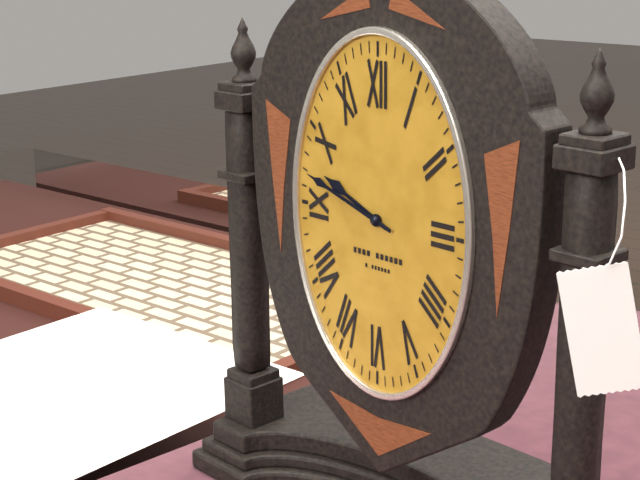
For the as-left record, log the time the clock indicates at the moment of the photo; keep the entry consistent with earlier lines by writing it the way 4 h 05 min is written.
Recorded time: 9 h 48 min
